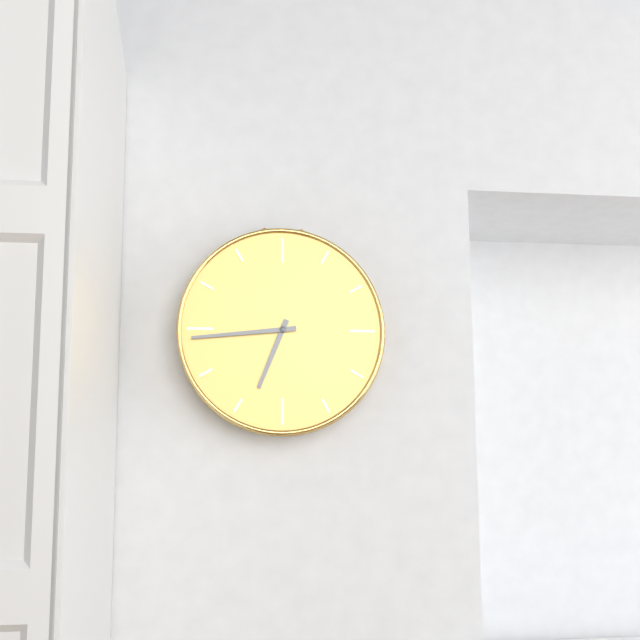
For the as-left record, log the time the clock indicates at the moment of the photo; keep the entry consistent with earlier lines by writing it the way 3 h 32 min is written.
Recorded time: 6 h 44 min
